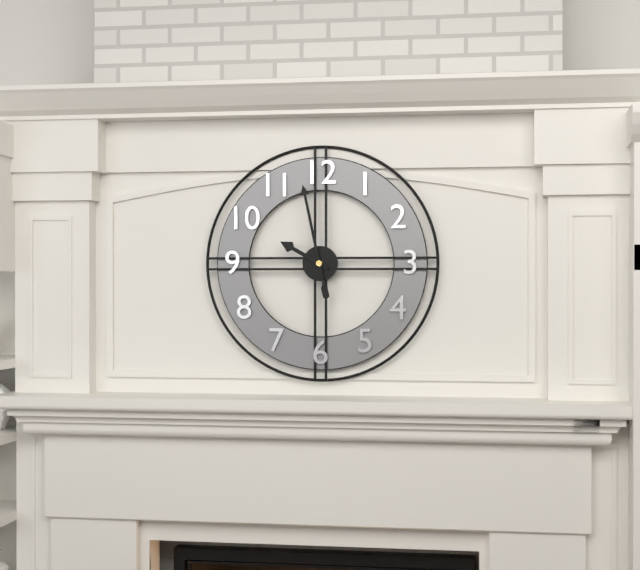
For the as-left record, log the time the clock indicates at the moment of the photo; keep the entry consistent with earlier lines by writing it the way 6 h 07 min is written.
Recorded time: 9 h 58 min
